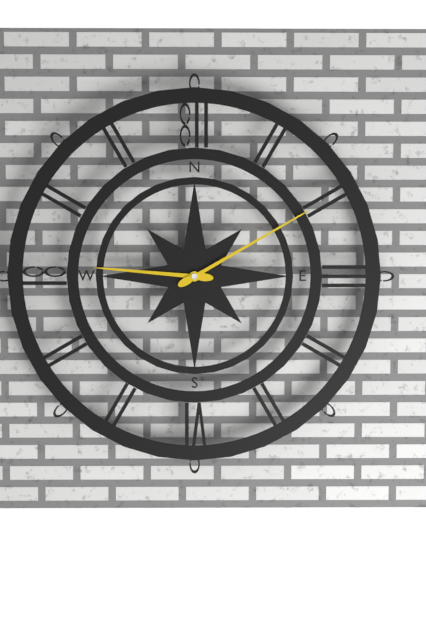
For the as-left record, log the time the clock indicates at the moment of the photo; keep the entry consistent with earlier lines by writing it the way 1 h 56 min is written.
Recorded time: 9 h 10 min
